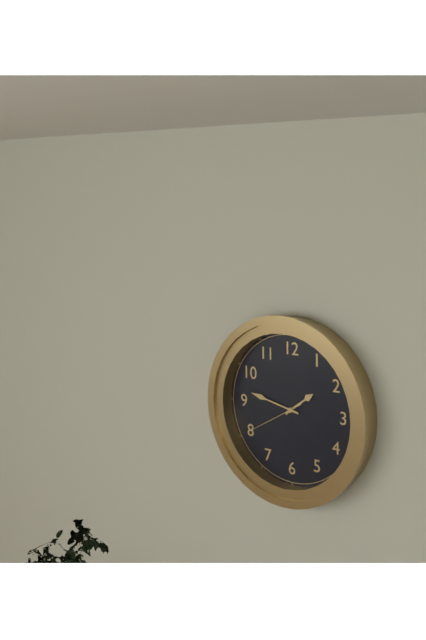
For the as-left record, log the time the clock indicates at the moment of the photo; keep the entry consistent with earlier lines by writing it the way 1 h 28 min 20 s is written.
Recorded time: 1 h 47 min 40 s
